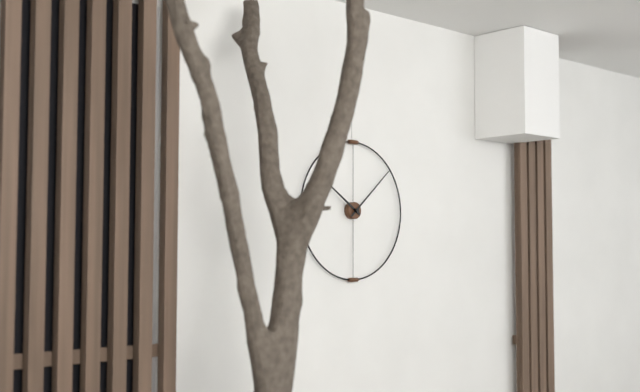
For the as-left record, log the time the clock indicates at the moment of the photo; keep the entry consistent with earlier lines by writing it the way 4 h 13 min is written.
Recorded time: 10 h 08 min
